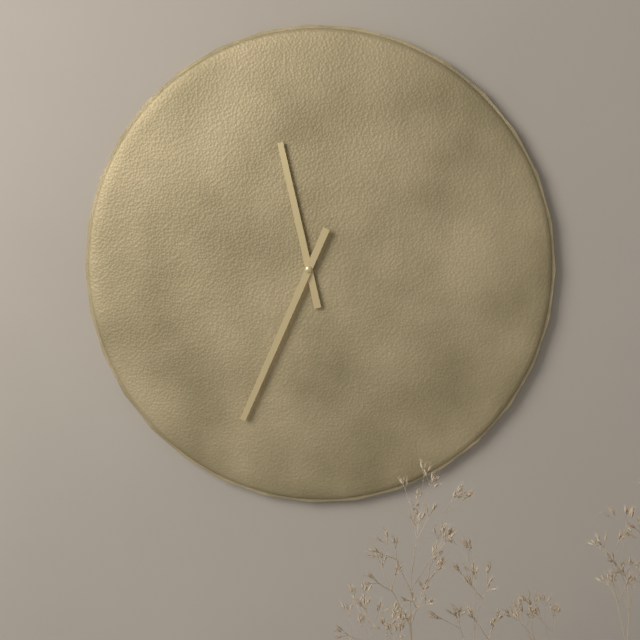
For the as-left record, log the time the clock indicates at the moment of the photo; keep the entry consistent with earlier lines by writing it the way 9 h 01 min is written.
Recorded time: 11 h 34 min
